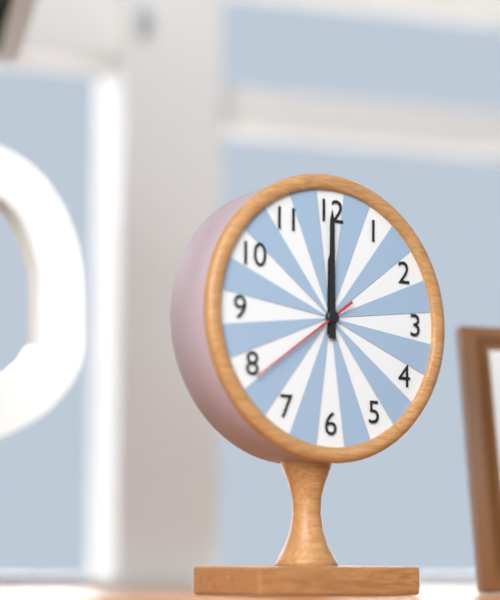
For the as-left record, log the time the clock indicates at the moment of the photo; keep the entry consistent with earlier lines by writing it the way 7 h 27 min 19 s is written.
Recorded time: 12 h 00 min 39 s
